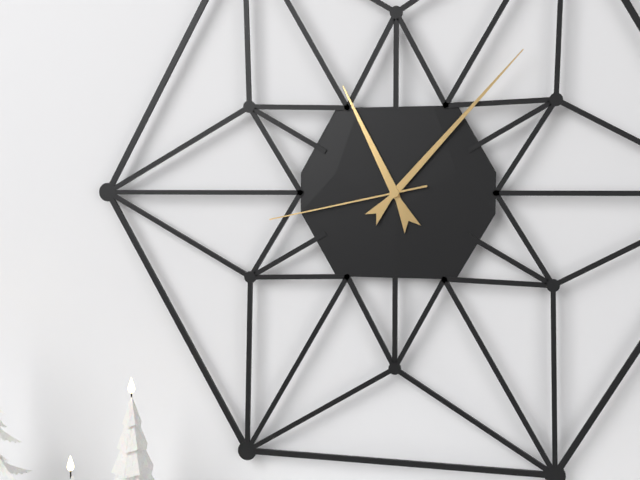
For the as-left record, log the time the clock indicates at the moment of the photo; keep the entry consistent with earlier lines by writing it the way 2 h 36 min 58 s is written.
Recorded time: 11 h 07 min 43 s
